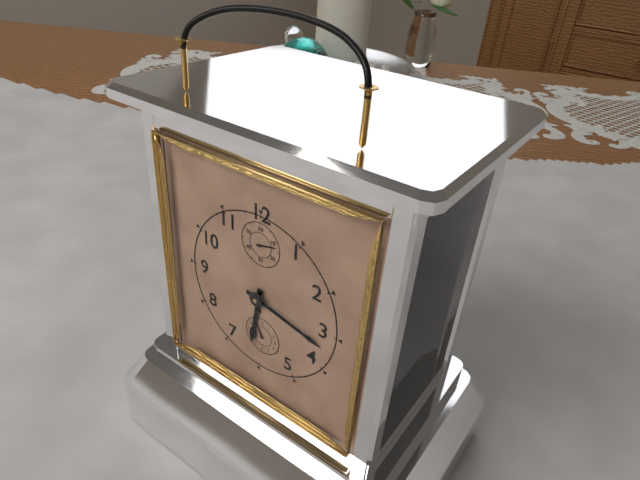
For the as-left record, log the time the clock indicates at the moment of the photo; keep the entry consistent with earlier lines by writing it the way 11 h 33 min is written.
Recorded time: 6 h 17 min
